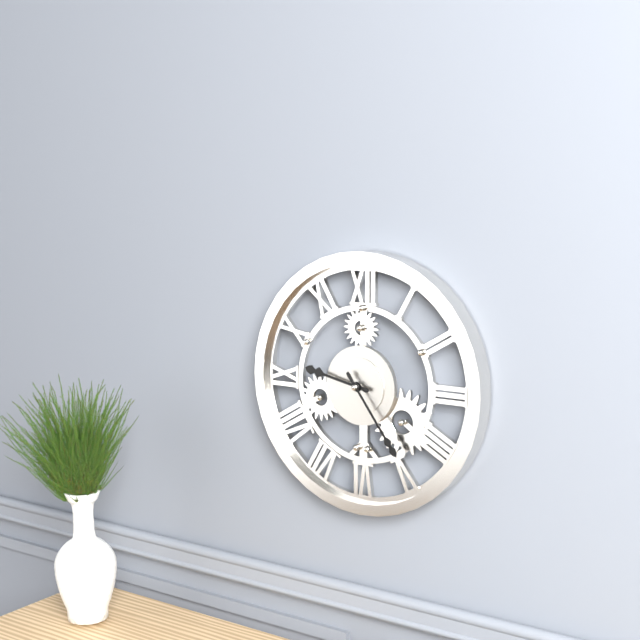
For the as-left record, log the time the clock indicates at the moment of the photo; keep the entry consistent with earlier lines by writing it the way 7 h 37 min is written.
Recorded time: 9 h 24 min
